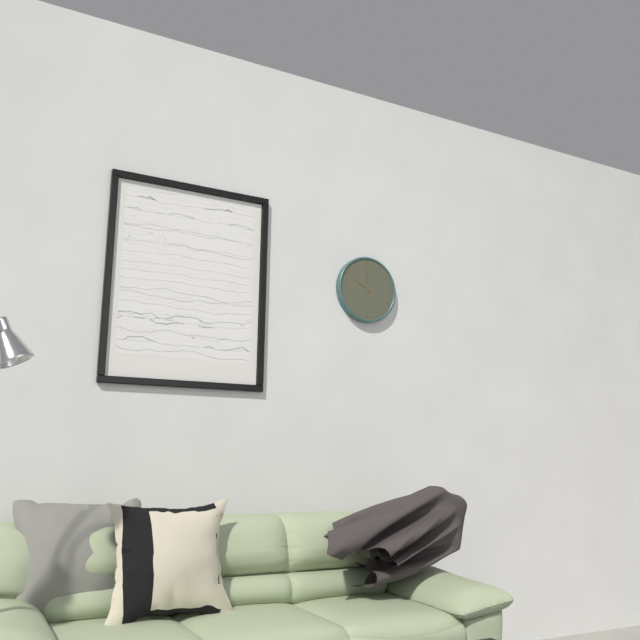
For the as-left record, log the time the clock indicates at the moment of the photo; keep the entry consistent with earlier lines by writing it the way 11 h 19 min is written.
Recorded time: 9 h 59 min
